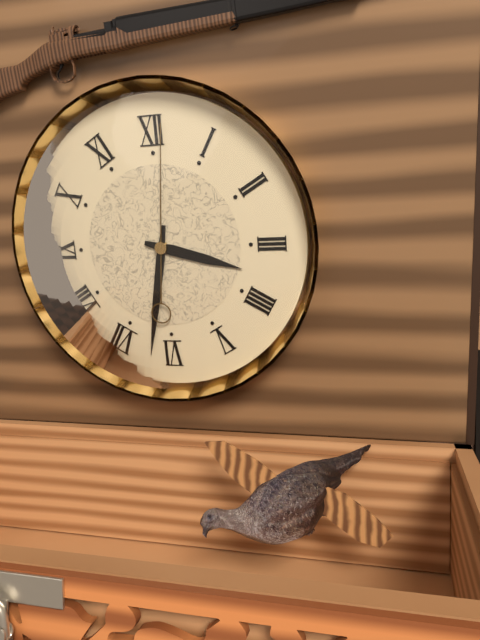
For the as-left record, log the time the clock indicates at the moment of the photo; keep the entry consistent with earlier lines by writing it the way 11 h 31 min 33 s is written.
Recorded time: 3 h 32 min 01 s
